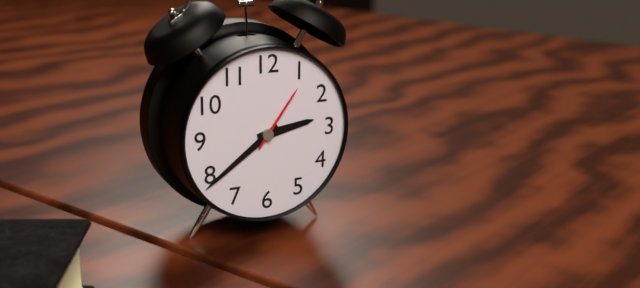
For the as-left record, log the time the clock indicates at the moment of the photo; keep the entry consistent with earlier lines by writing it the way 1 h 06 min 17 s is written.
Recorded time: 2 h 39 min 06 s
